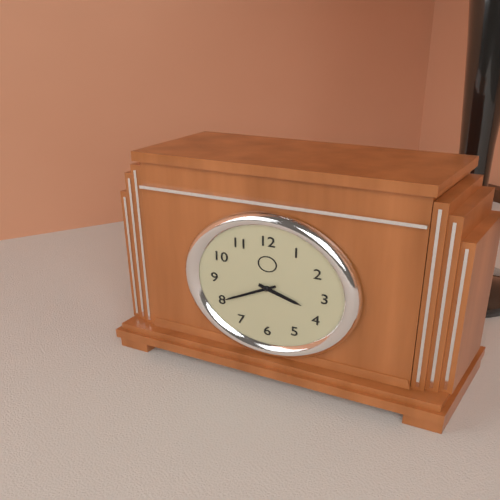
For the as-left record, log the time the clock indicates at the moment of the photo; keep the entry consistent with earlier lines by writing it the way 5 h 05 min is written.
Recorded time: 3 h 40 min
